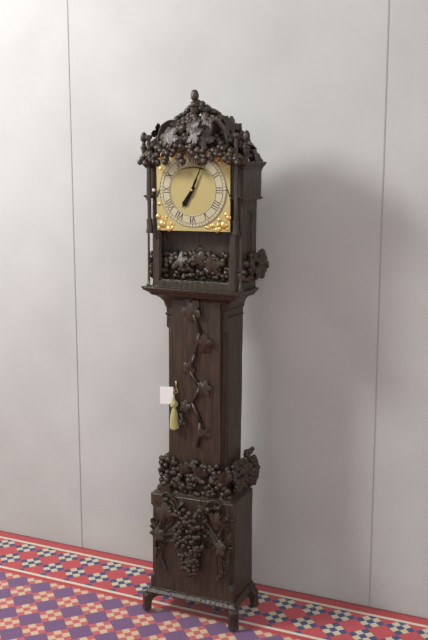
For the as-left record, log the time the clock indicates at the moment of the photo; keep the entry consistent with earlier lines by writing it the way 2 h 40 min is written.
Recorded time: 7 h 04 min
